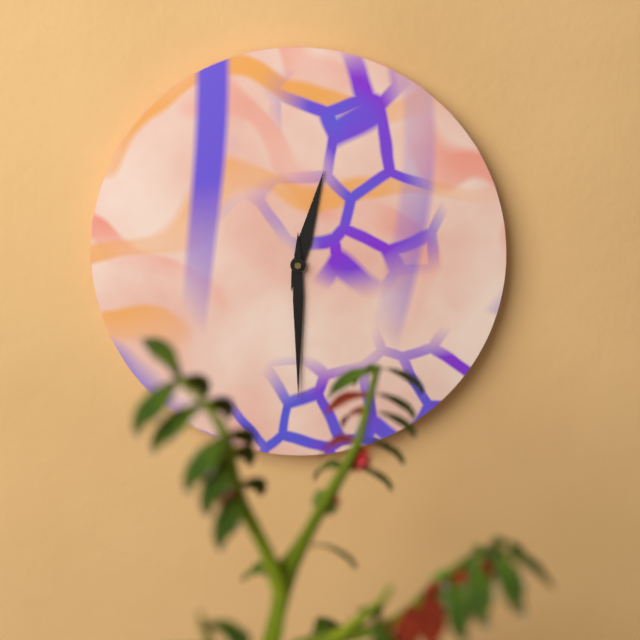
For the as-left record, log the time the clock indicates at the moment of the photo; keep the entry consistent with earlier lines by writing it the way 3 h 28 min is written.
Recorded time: 12 h 30 min
